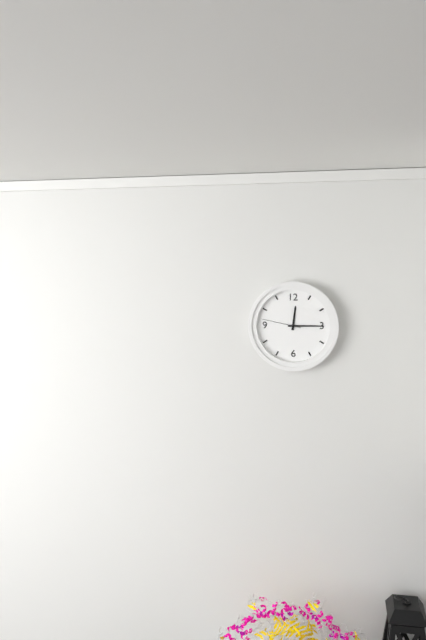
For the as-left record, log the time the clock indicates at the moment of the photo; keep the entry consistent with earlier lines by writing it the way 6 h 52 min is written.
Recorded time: 12 h 15 min
